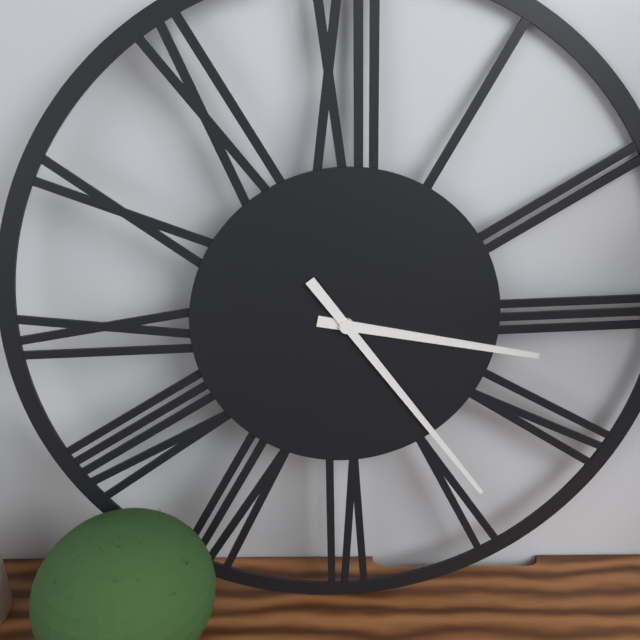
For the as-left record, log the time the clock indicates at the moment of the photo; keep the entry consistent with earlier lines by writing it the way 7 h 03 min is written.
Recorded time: 3 h 24 min
